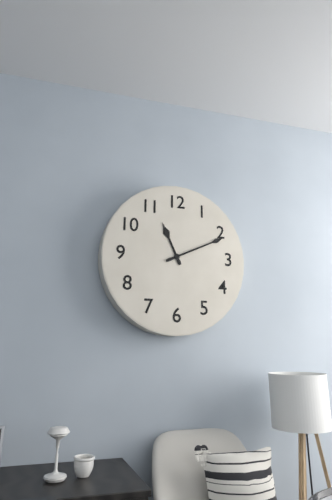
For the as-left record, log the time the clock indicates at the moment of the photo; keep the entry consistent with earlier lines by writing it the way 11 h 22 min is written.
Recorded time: 11 h 11 min
